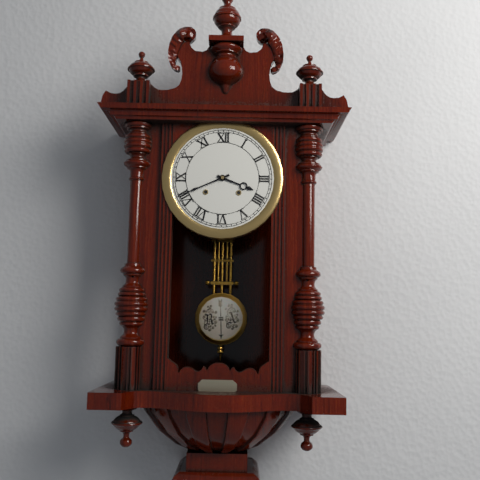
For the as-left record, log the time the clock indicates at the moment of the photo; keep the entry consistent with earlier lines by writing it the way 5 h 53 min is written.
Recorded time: 3 h 41 min
